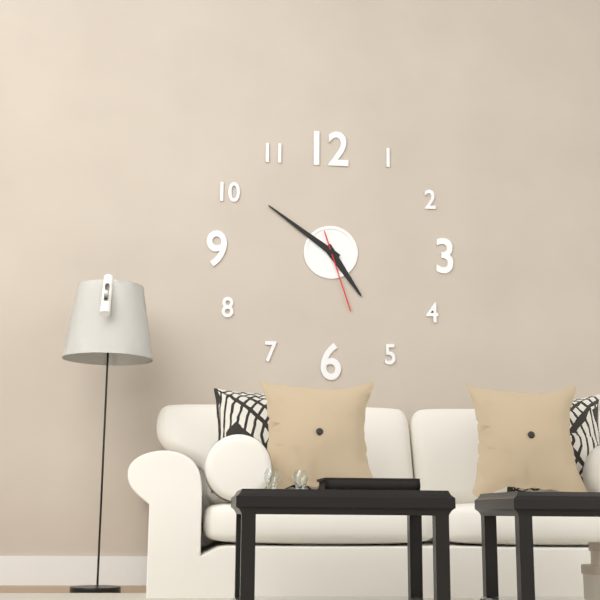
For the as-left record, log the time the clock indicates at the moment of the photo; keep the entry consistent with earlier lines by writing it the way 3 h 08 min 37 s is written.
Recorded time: 4 h 51 min 27 s
